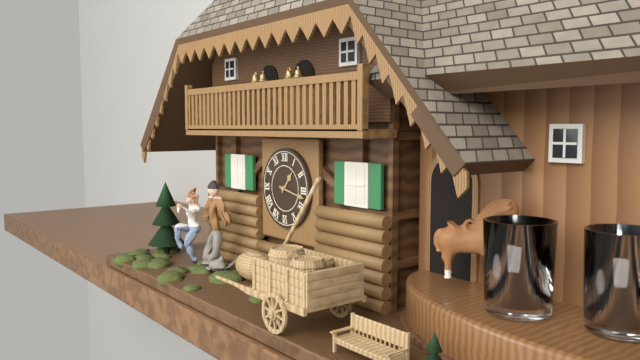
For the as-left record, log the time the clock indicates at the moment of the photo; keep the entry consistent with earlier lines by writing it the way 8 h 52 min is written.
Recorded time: 1 h 17 min
